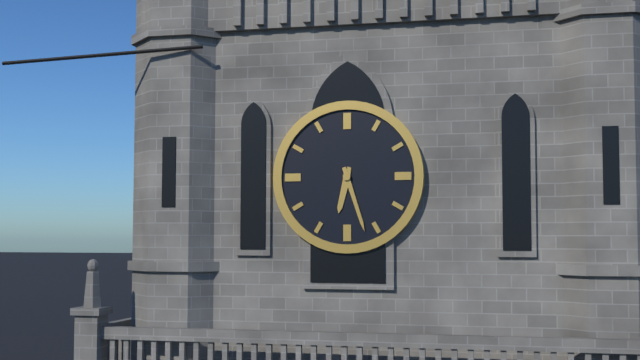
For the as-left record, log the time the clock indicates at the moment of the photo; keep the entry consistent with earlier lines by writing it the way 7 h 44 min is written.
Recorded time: 6 h 27 min
